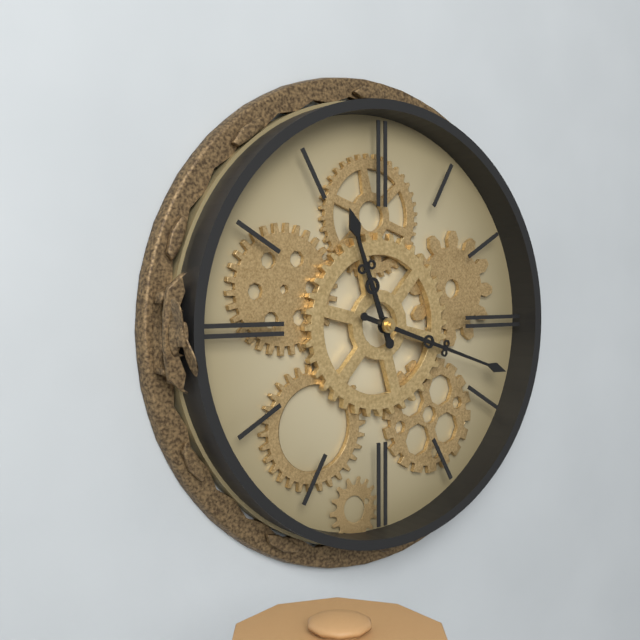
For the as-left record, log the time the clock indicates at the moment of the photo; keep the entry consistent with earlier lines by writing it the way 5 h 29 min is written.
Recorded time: 11 h 18 min
